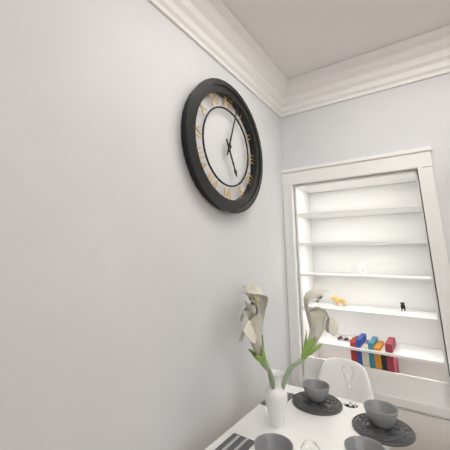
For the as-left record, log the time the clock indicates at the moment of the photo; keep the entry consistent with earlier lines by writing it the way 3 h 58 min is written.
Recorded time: 5 h 03 min
